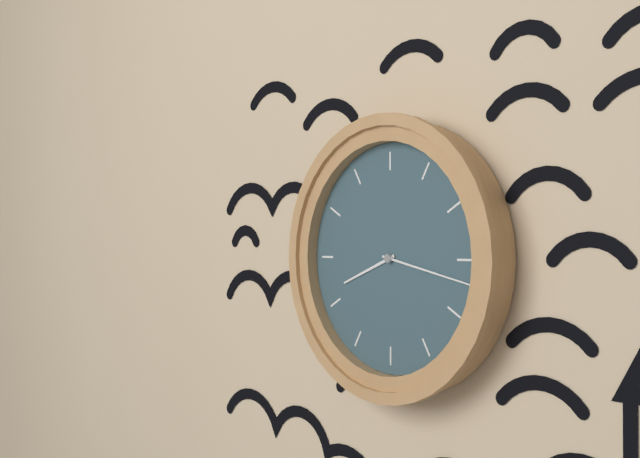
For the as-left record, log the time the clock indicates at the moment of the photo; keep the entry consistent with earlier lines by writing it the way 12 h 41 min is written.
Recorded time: 8 h 17 min
